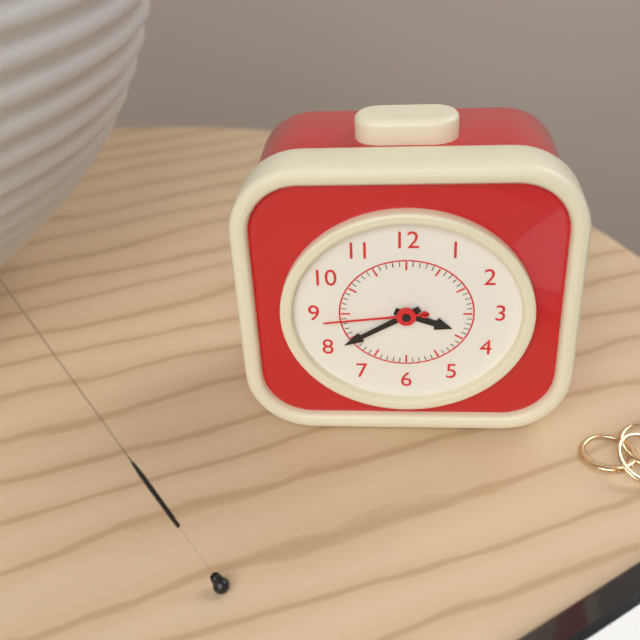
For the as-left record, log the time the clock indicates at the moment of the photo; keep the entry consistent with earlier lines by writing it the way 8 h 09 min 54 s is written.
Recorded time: 3 h 40 min 44 s
